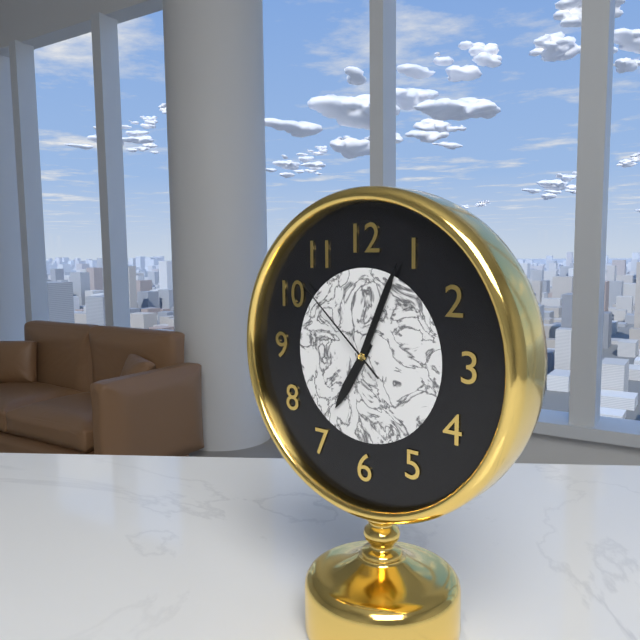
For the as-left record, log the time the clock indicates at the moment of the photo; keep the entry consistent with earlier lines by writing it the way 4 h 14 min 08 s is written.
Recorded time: 7 h 04 min 52 s
